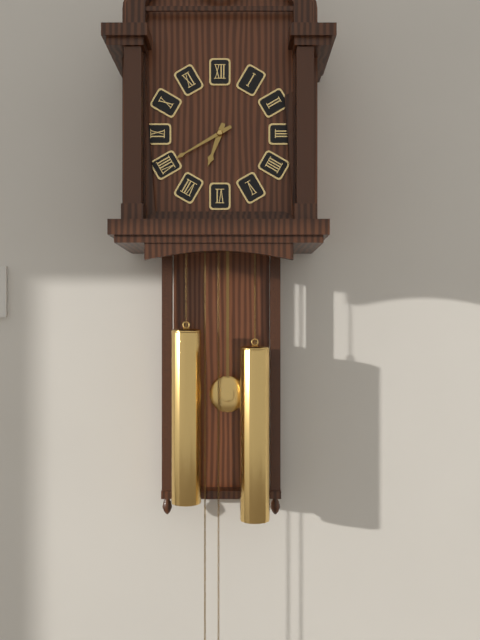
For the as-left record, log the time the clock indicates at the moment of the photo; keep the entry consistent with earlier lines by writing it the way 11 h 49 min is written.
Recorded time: 6 h 40 min
